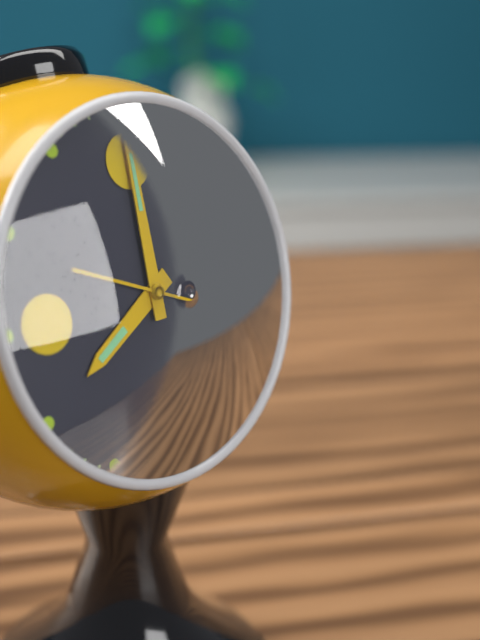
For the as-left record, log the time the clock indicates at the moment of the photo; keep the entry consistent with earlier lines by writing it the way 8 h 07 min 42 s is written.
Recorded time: 8 h 00 min 19 s
